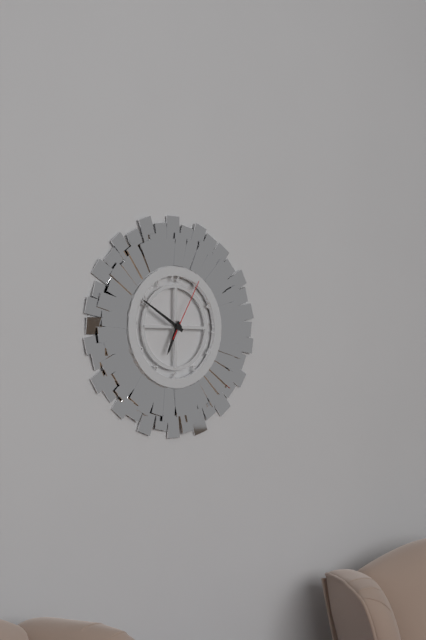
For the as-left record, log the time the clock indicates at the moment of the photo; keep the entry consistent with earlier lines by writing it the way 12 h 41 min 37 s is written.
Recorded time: 6 h 50 min 05 s
